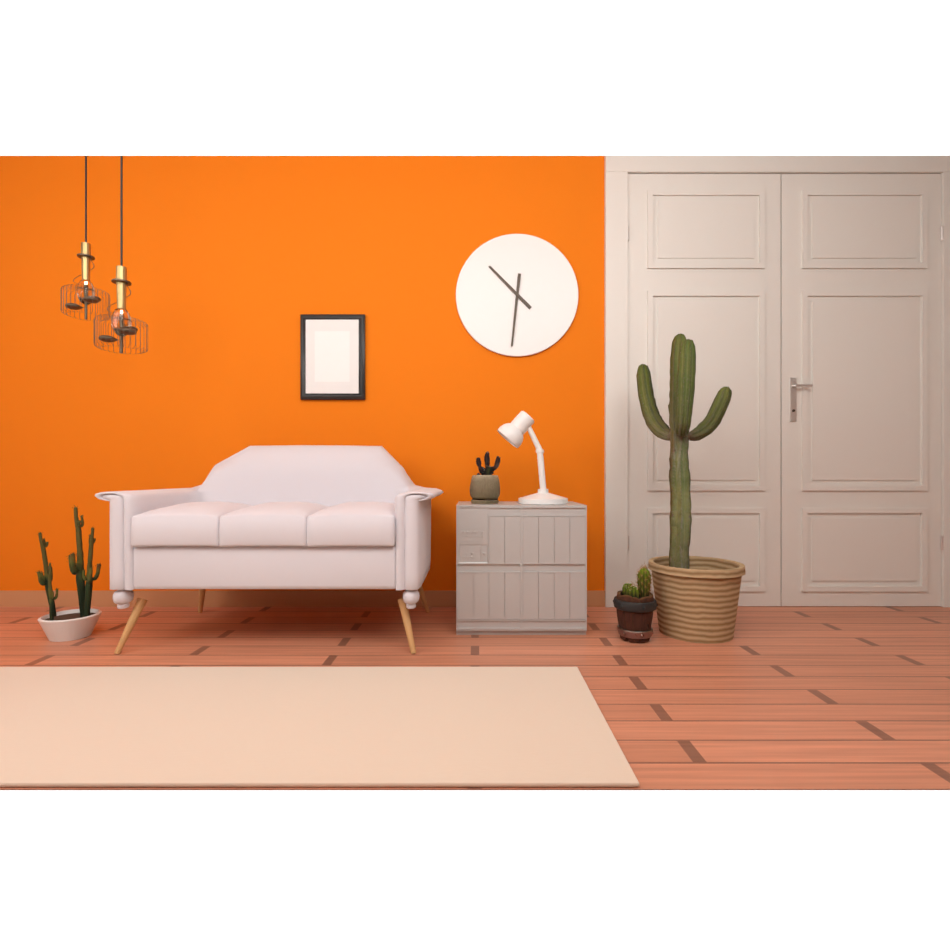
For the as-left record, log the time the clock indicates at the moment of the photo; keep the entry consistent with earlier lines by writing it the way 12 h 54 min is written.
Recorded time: 10 h 31 min
